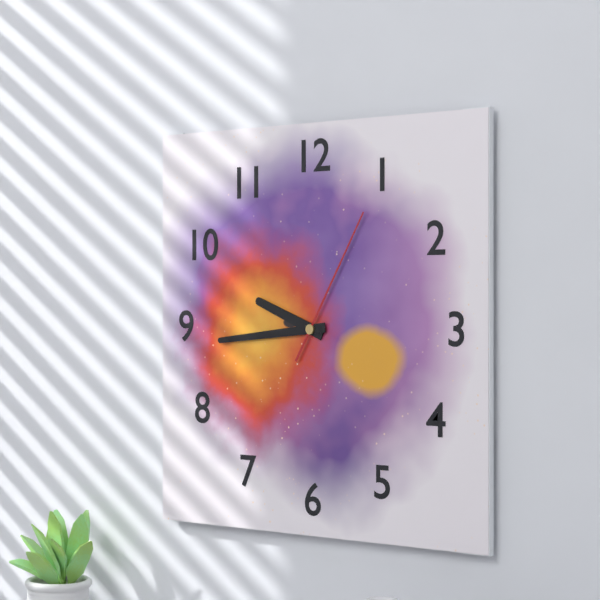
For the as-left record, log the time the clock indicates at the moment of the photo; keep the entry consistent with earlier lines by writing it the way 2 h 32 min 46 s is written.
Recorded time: 9 h 44 min 05 s
